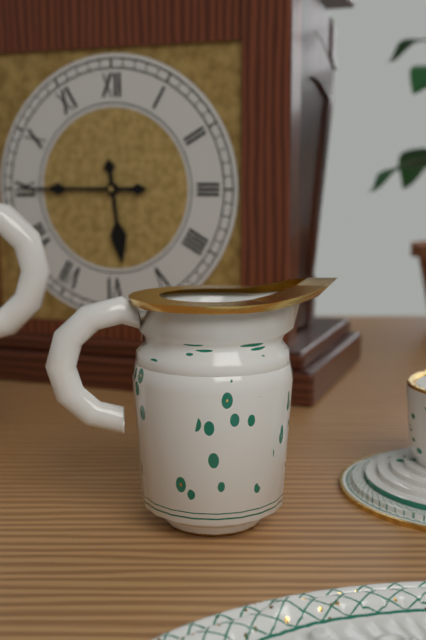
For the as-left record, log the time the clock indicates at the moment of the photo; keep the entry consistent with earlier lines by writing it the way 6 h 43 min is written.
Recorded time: 5 h 45 min
